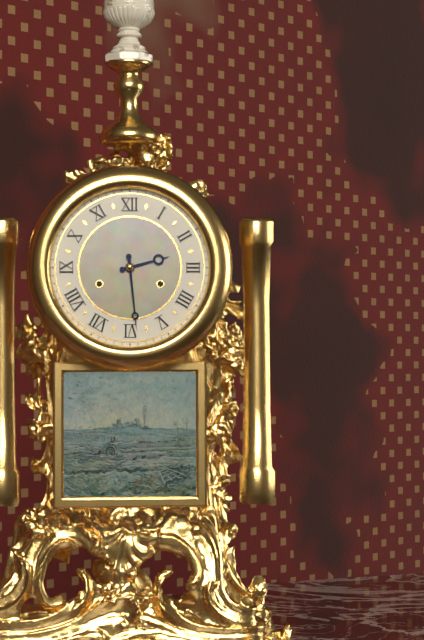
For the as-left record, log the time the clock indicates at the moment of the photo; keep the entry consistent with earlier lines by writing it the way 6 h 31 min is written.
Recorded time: 2 h 29 min
